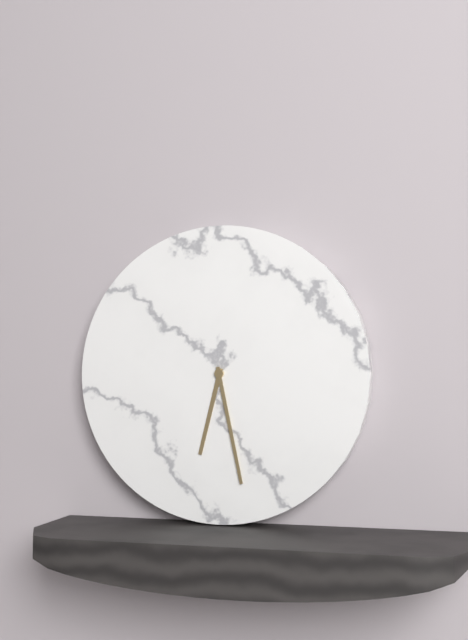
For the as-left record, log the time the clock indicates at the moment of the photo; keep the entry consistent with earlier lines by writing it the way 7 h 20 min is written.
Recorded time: 6 h 28 min
